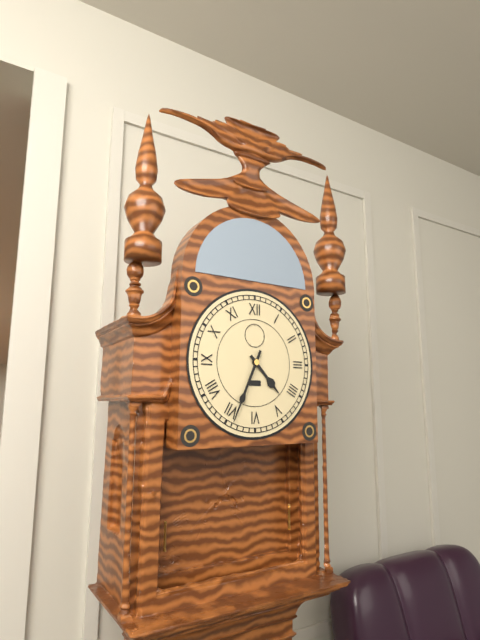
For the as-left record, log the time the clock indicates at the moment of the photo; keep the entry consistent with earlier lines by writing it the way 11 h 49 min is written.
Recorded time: 4 h 34 min
